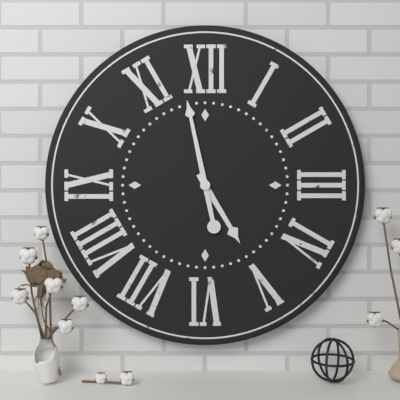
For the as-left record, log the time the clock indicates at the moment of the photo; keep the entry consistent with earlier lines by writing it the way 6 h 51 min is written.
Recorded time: 4 h 58 min
